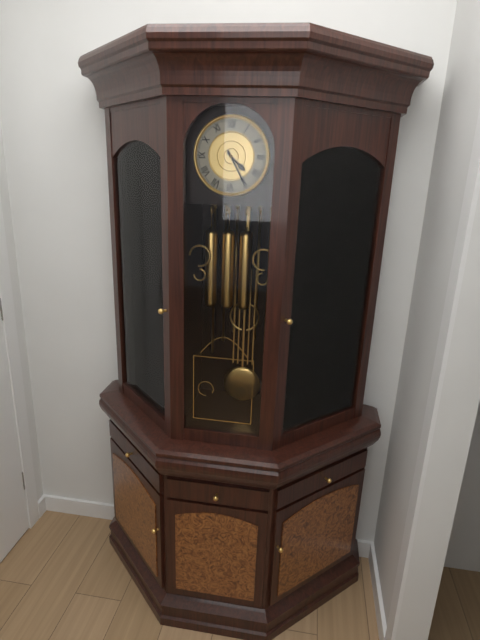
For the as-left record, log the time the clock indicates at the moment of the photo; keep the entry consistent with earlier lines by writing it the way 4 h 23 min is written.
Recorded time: 4 h 25 min
